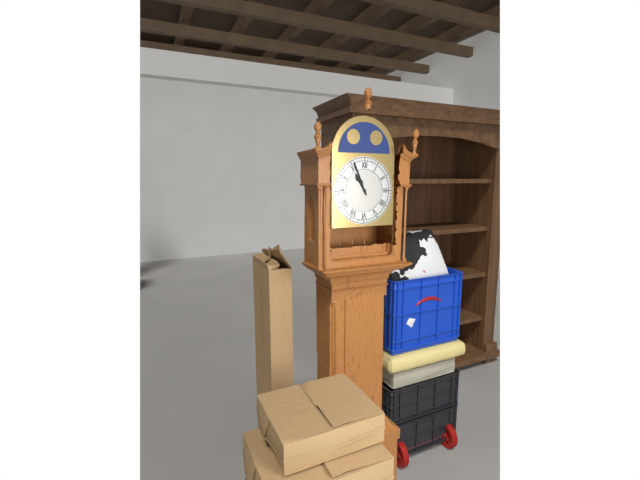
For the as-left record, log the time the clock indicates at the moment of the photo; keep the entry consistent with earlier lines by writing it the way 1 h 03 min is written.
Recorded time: 10 h 56 min
